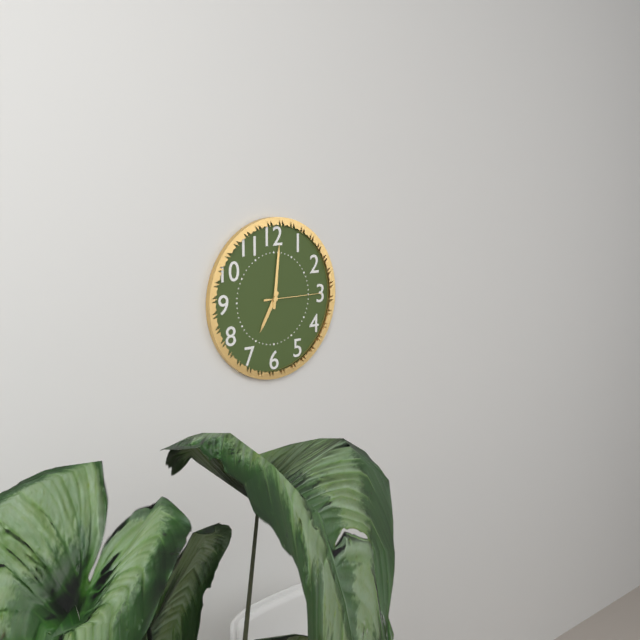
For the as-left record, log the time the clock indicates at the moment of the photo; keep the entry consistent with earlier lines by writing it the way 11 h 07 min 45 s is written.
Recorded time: 7 h 01 min 15 s
